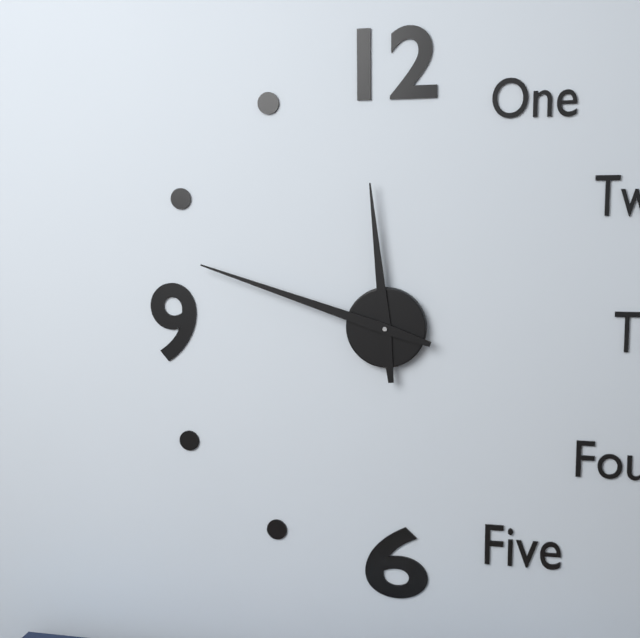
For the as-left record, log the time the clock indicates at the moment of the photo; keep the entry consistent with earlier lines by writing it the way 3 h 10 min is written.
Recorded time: 11 h 48 min
